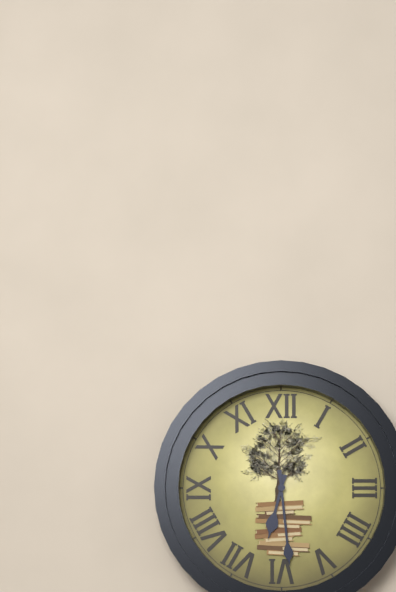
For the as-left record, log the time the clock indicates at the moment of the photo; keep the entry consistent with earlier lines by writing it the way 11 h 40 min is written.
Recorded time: 6 h 29 min
